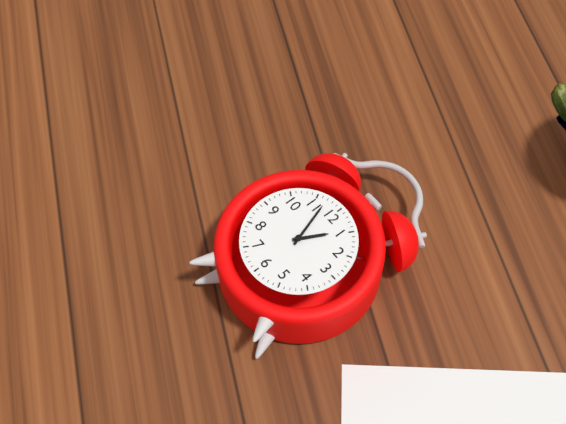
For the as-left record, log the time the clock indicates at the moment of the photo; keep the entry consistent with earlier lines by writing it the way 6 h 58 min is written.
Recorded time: 12 h 57 min
